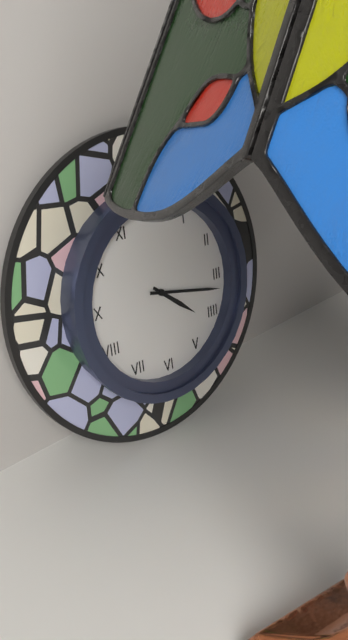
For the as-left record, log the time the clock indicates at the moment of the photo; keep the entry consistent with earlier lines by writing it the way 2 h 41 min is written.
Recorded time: 4 h 17 min
